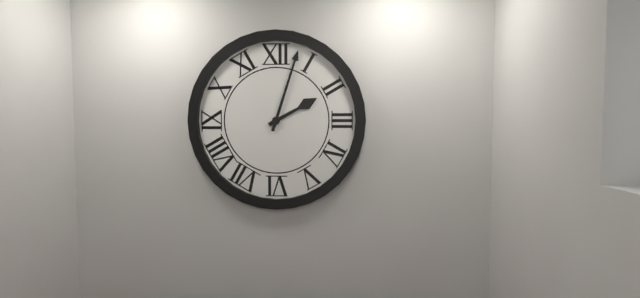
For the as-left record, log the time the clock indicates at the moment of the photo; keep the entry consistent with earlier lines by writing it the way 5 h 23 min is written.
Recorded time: 2 h 03 min
